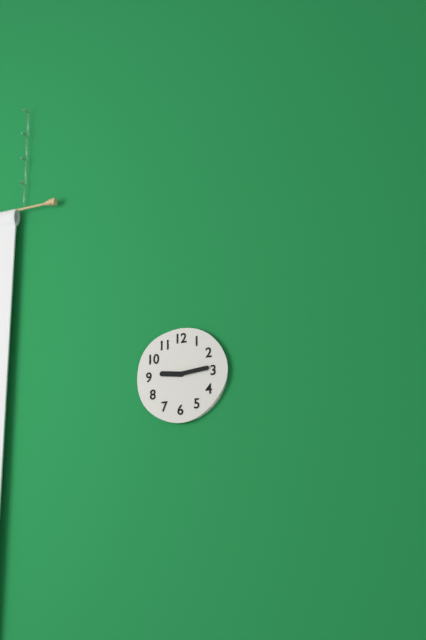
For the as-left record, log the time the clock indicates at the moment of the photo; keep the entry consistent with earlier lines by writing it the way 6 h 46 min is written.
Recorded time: 9 h 14 min
